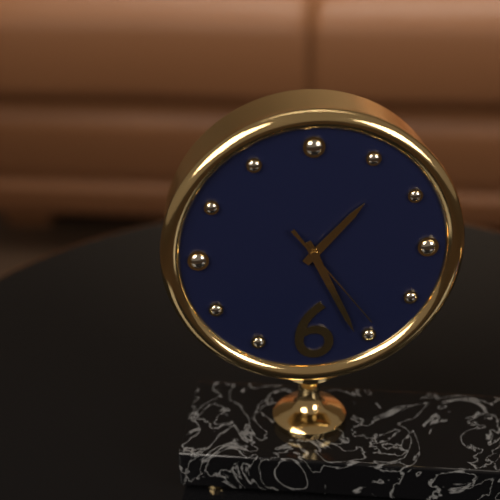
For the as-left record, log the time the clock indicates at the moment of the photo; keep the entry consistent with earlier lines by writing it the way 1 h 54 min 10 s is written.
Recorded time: 1 h 26 min 24 s
